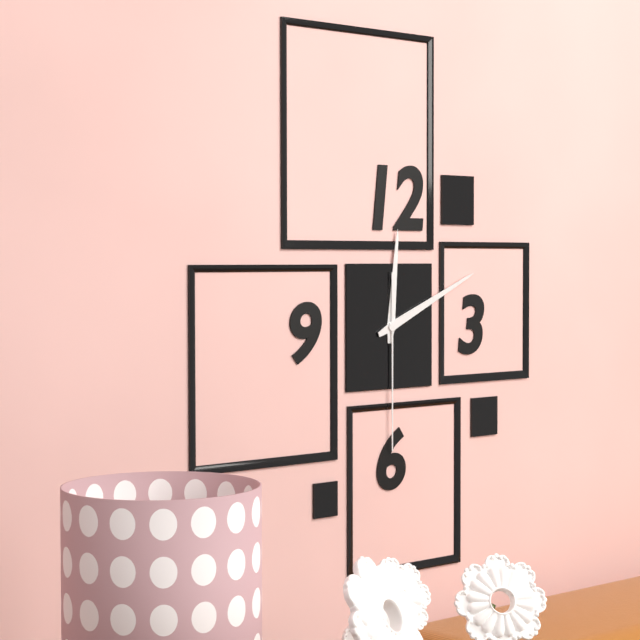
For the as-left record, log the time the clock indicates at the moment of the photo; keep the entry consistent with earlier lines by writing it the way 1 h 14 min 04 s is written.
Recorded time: 12 h 11 min 30 s
